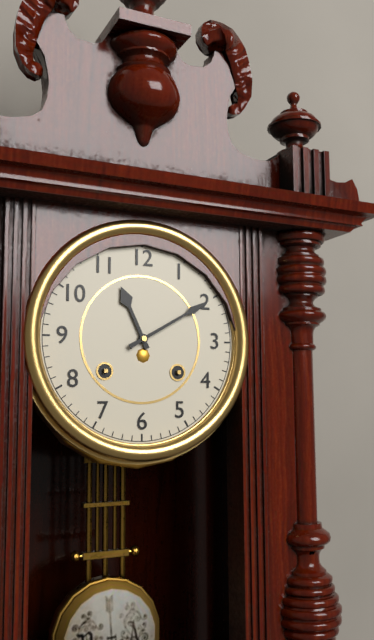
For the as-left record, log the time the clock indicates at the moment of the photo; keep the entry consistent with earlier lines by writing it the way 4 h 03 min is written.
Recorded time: 11 h 10 min
